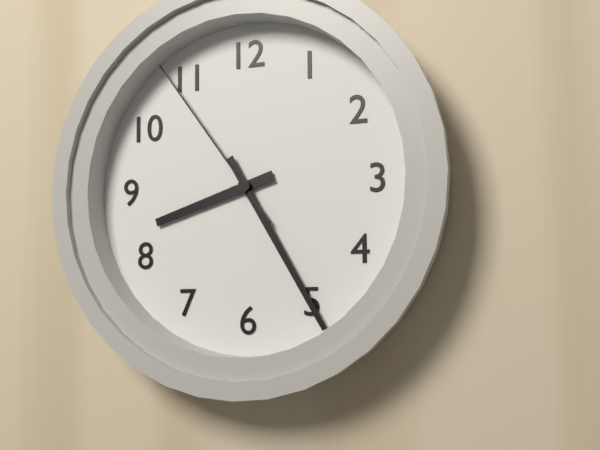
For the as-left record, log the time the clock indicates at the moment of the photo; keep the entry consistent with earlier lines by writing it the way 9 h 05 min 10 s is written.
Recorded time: 8 h 25 min 54 s
